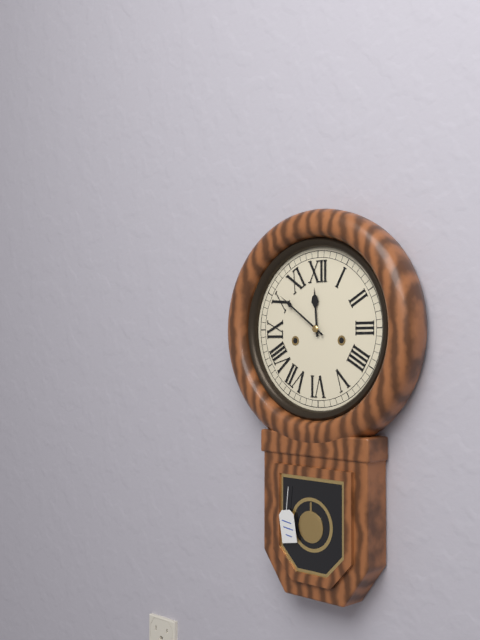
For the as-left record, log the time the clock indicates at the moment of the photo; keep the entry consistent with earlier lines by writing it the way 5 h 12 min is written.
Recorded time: 11 h 51 min
